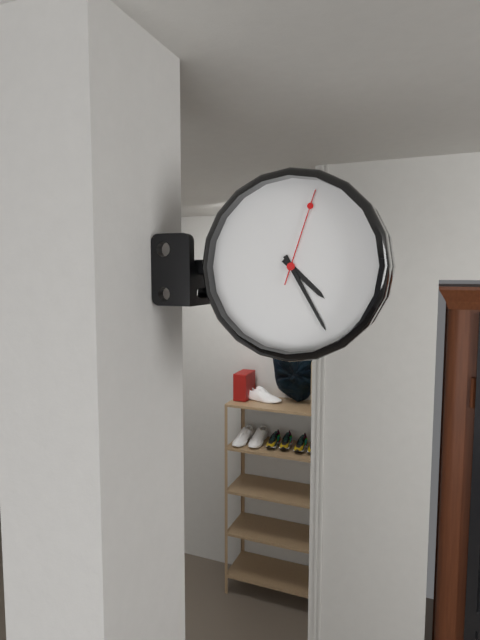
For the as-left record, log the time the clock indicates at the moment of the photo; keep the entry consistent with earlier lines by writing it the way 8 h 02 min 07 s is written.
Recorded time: 4 h 25 min 03 s
